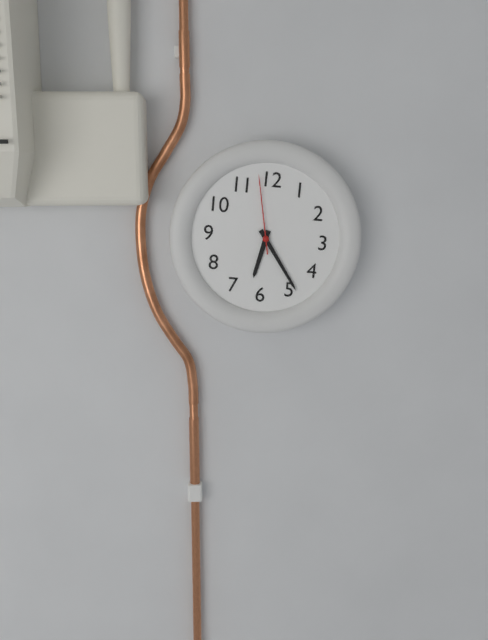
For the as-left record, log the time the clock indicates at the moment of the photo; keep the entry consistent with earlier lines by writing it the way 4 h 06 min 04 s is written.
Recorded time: 6 h 24 min 58 s
